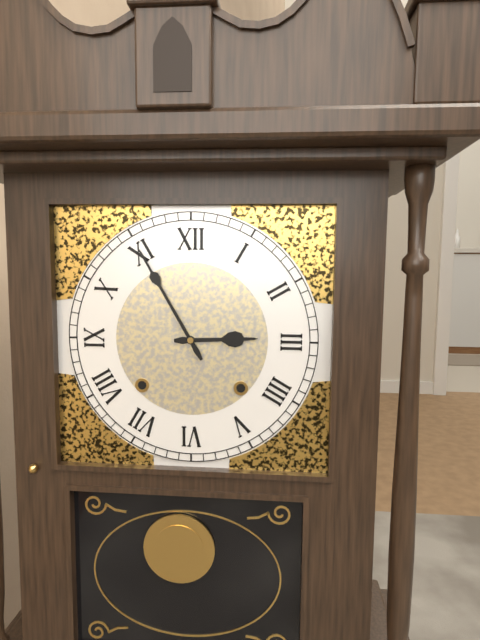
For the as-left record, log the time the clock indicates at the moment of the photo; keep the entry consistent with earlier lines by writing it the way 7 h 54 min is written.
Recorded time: 2 h 55 min
